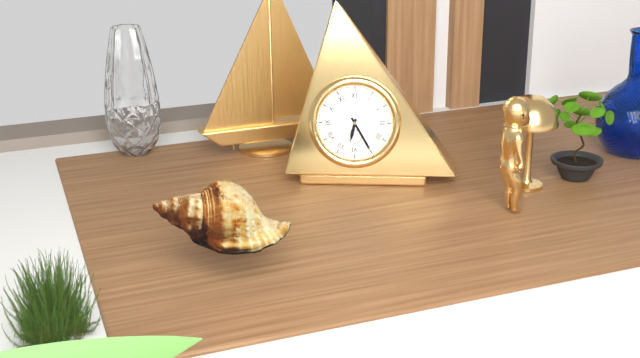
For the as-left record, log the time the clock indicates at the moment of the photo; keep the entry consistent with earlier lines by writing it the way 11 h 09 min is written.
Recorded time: 6 h 25 min
